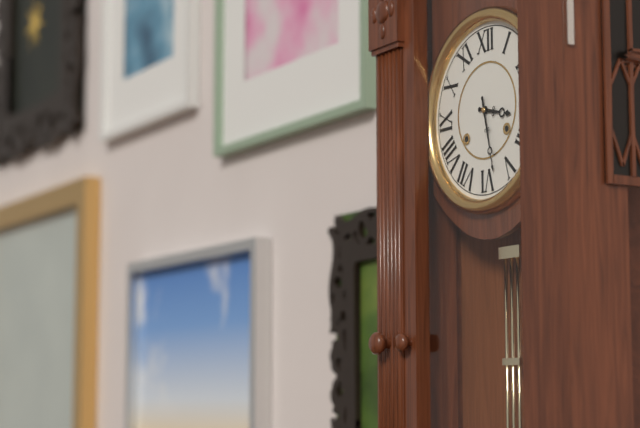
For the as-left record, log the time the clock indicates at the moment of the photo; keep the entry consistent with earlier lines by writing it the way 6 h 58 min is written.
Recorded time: 3 h 28 min
